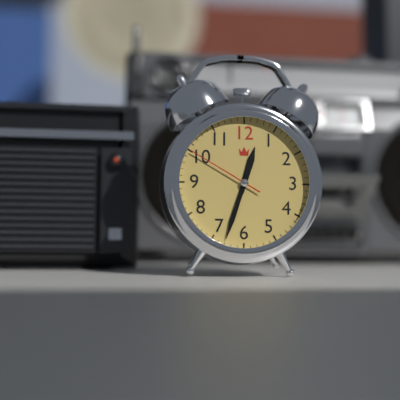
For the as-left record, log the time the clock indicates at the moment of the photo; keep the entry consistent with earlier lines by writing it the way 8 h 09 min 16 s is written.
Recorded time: 12 h 33 min 50 s
